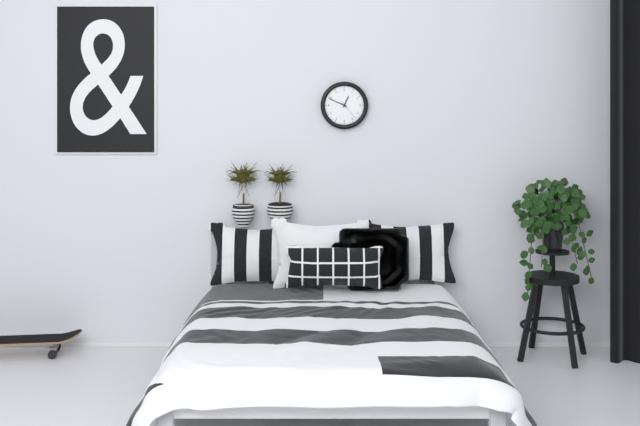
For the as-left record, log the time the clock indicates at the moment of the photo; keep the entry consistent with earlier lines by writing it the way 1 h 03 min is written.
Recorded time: 12 h 49 min
